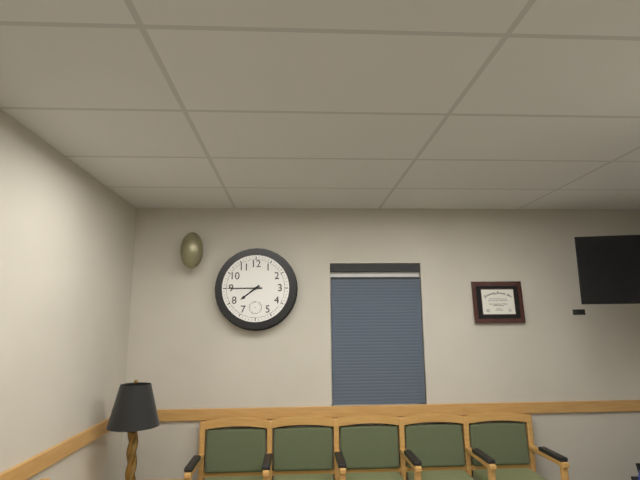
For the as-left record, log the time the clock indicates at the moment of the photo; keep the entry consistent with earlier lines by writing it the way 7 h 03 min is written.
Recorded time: 7 h 45 min
